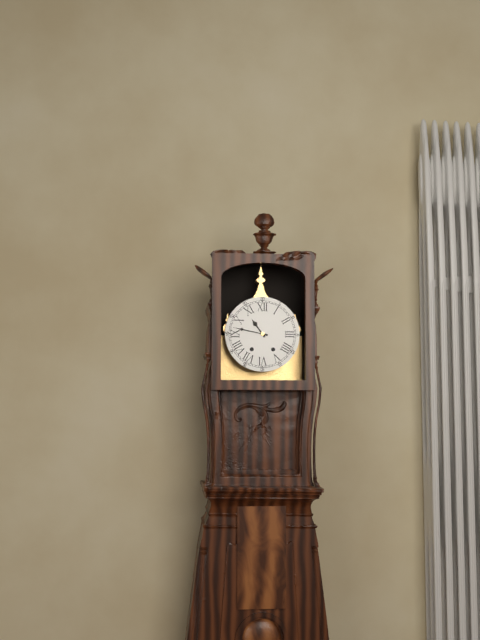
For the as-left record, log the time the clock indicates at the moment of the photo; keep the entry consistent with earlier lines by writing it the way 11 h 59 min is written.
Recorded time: 10 h 47 min
